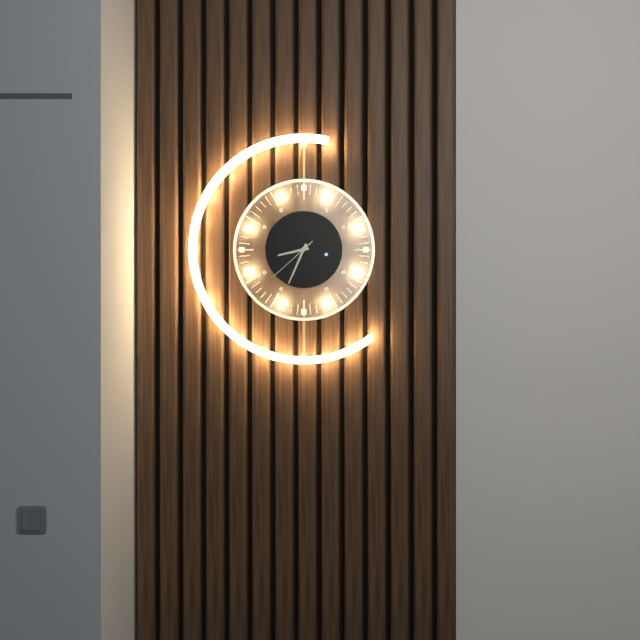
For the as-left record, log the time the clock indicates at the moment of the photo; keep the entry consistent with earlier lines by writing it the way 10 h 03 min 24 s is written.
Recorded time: 8 h 34 min 38 s
